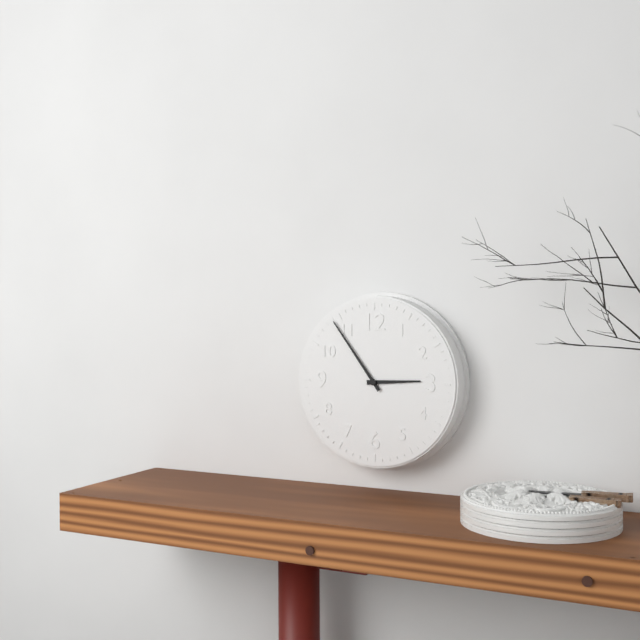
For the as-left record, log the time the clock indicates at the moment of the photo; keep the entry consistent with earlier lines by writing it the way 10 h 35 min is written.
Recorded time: 2 h 54 min
